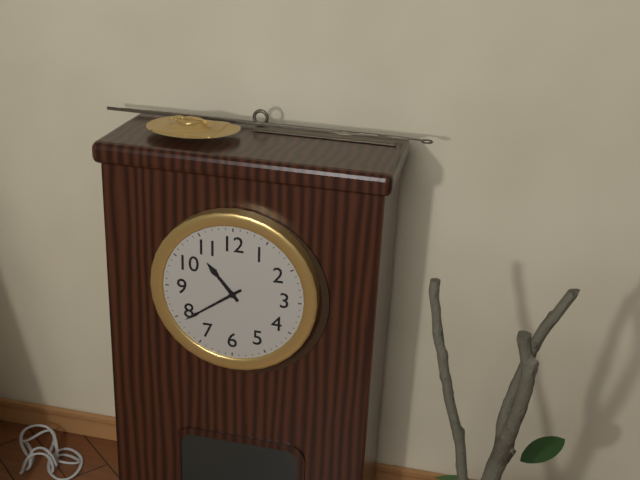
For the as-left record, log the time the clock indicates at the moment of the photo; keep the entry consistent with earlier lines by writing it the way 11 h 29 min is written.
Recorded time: 10 h 39 min
